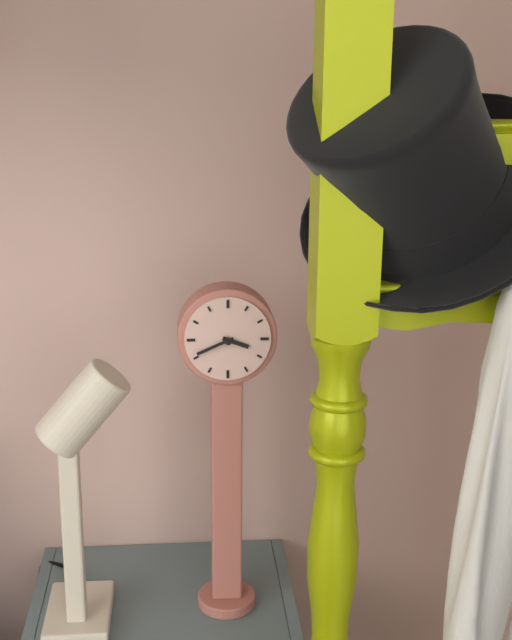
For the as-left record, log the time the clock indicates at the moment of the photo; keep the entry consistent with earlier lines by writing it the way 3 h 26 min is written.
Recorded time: 3 h 41 min
